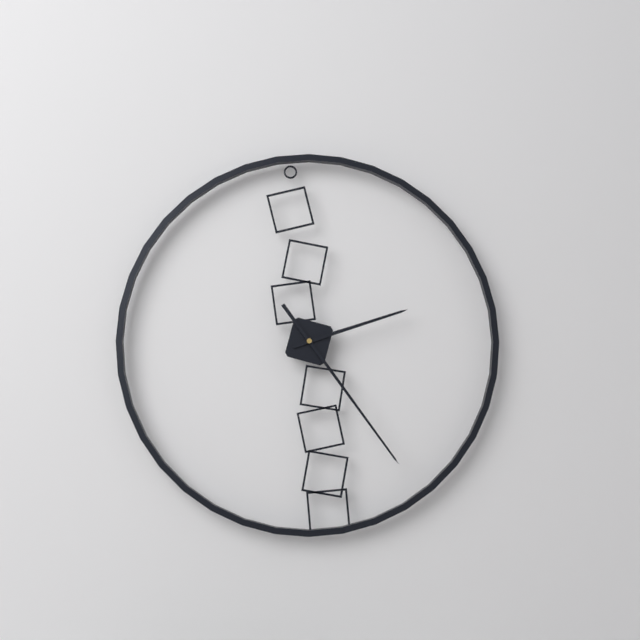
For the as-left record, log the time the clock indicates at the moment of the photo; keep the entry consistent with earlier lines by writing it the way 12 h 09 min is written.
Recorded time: 2 h 24 min
